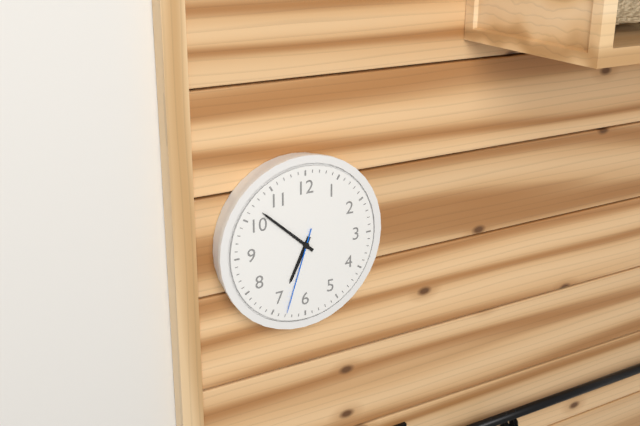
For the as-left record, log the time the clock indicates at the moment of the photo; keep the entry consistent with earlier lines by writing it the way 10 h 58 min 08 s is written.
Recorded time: 6 h 52 min 33 s
